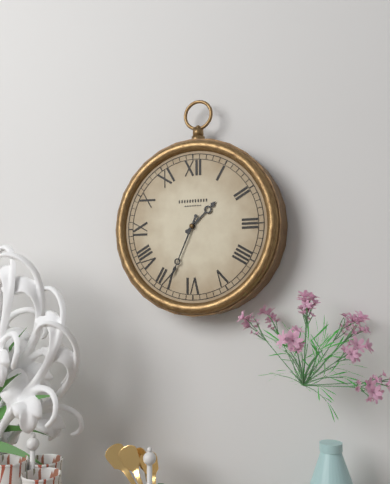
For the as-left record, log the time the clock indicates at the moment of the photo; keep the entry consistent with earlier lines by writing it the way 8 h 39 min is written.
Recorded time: 1 h 34 min
